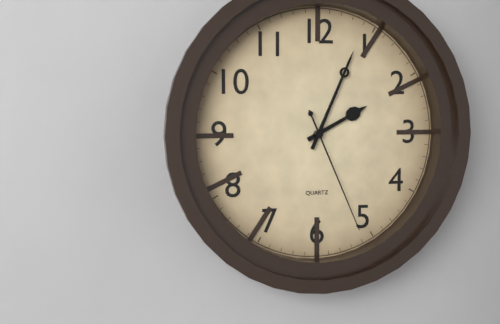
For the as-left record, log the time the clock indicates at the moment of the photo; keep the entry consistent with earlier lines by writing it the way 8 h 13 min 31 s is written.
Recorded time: 2 h 04 min 26 s
